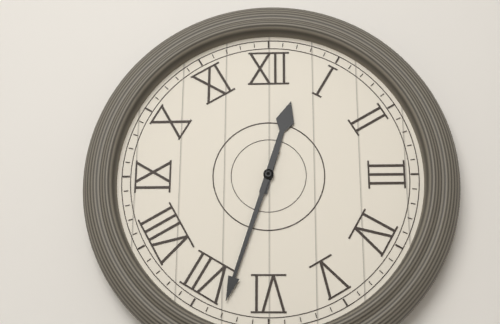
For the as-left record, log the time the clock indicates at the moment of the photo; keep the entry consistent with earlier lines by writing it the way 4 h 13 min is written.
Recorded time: 12 h 33 min
